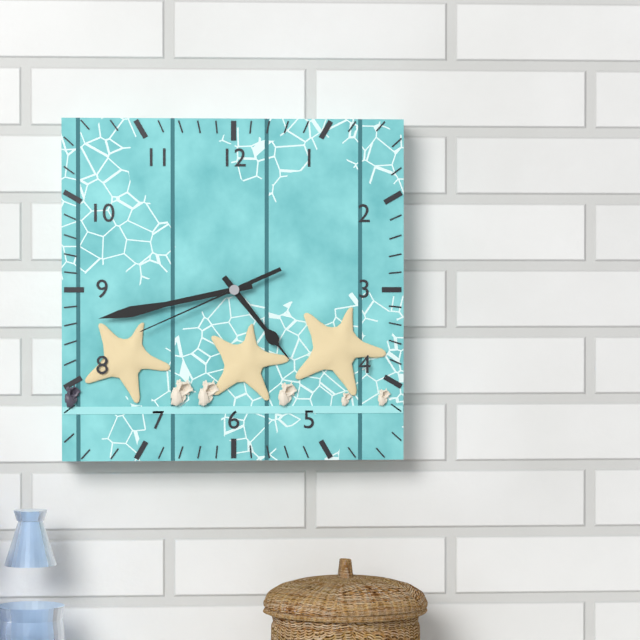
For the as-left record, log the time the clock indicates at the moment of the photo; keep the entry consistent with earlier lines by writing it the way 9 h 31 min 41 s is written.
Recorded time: 4 h 43 min 41 s
